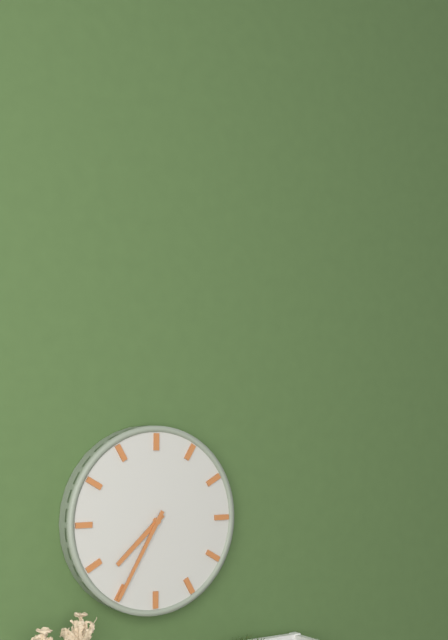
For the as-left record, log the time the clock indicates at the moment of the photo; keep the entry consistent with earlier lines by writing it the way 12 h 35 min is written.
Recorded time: 7 h 35 min
